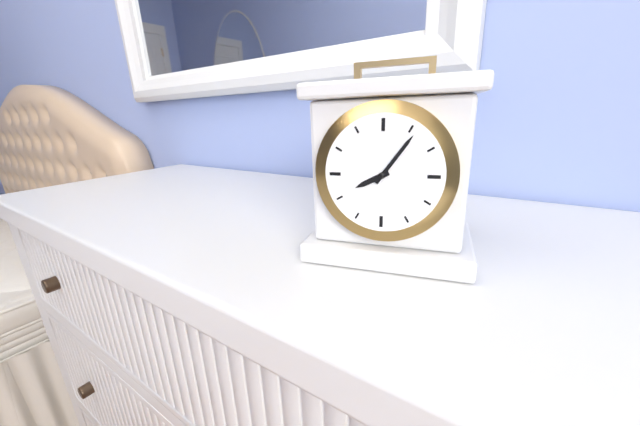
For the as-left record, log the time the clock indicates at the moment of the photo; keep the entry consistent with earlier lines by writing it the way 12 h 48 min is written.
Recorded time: 8 h 06 min
